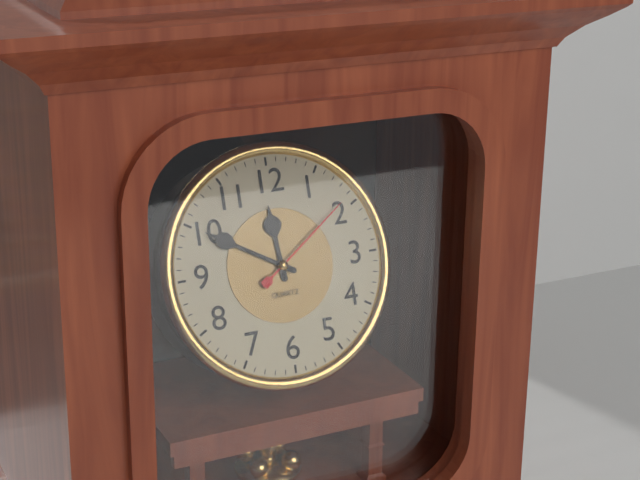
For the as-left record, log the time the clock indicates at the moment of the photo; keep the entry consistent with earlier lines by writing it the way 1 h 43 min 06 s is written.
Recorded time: 11 h 50 min 09 s
